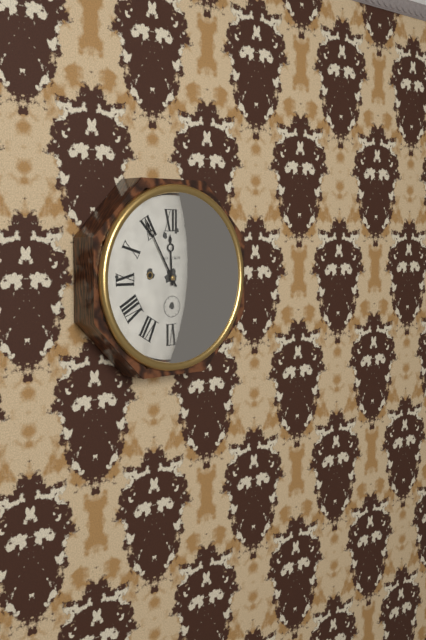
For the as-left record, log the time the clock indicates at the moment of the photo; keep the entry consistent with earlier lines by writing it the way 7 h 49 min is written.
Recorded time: 11 h 55 min
